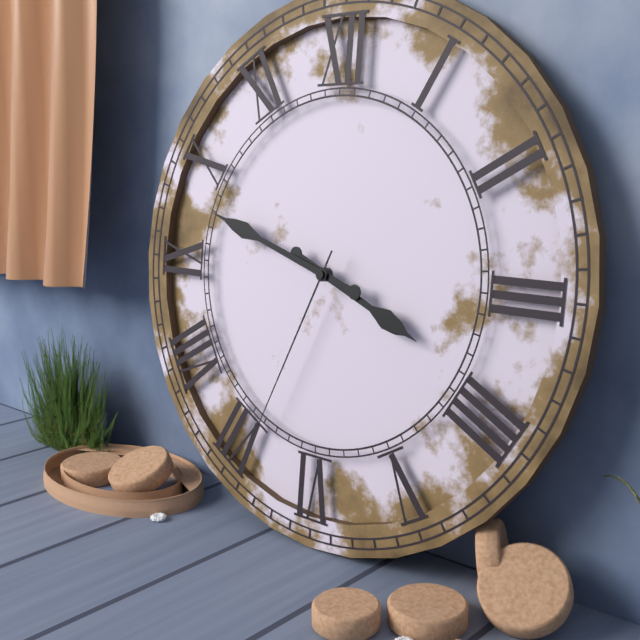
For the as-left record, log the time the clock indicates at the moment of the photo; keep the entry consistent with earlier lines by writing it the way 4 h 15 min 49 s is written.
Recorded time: 3 h 48 min 34 s
